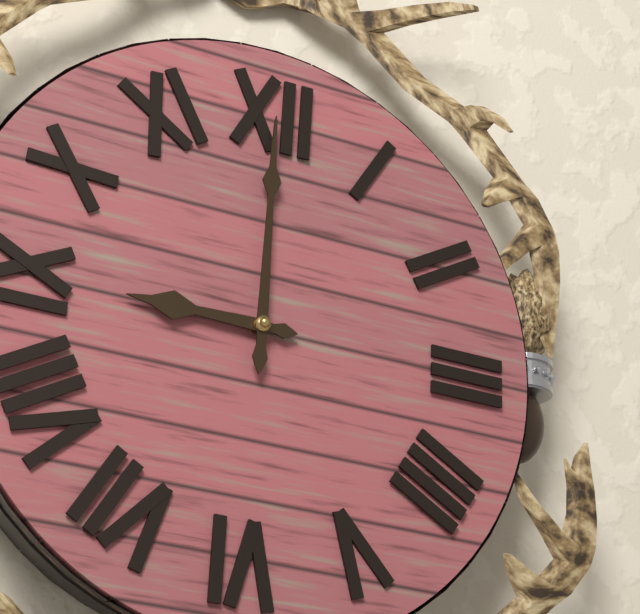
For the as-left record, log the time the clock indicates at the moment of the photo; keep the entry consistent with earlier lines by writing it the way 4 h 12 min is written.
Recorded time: 9 h 00 min
